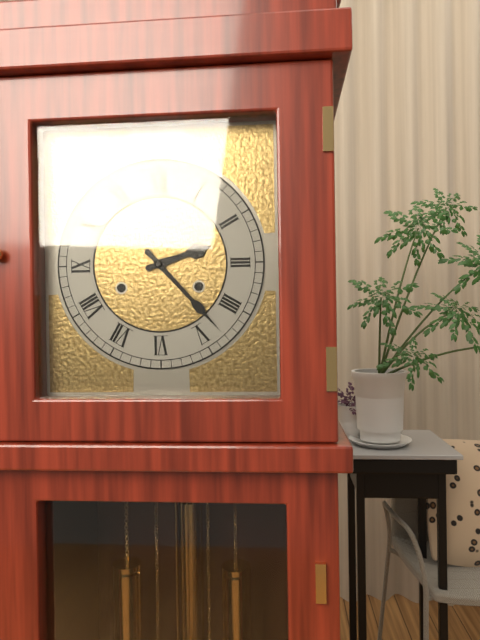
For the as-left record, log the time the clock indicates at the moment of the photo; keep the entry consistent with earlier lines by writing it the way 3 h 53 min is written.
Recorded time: 2 h 23 min
